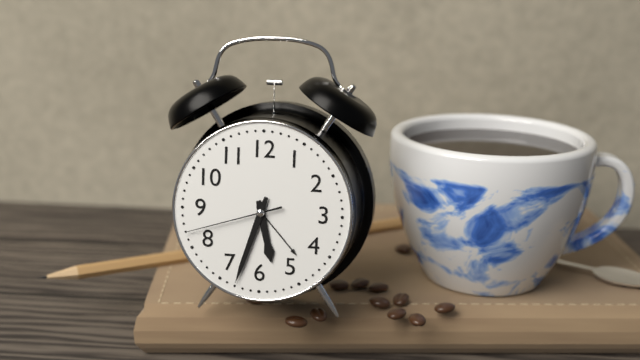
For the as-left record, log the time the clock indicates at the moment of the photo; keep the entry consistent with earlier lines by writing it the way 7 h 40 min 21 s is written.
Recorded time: 5 h 33 min 42 s
